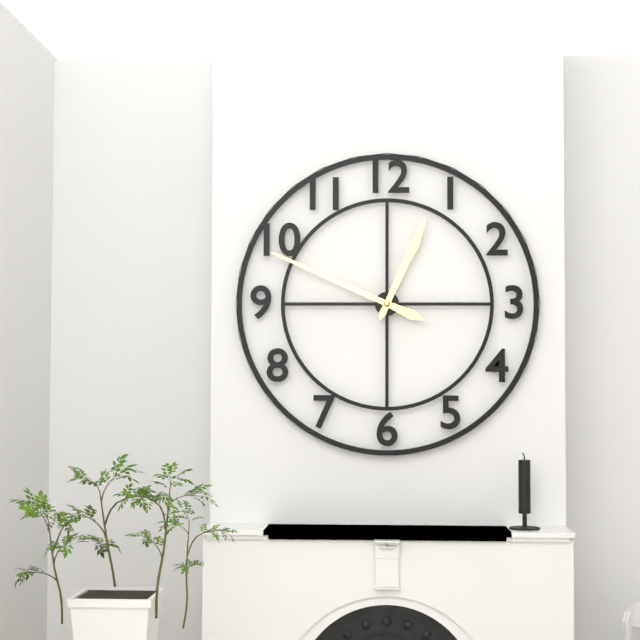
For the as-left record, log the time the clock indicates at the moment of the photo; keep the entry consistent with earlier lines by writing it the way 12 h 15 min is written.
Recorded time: 12 h 49 min
